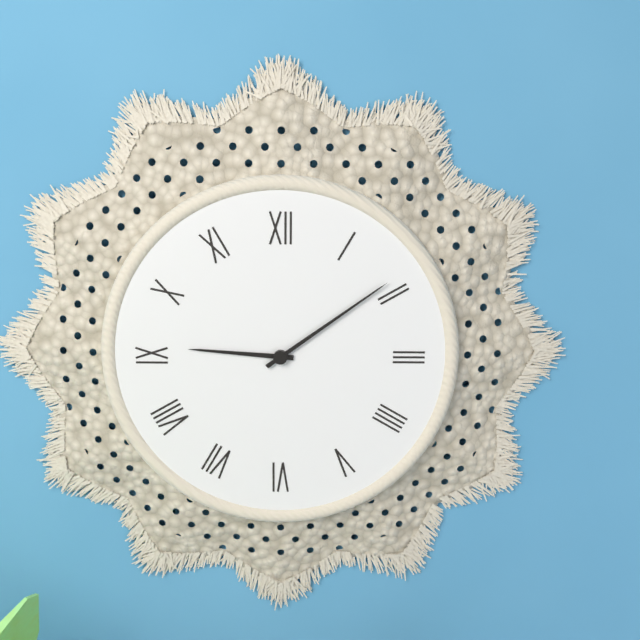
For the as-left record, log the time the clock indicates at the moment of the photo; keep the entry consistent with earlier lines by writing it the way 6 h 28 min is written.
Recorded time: 9 h 09 min
